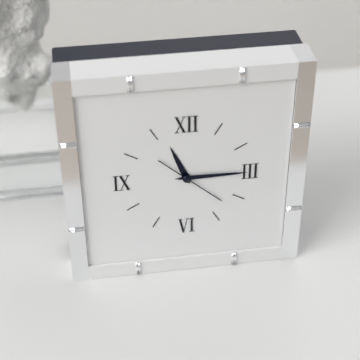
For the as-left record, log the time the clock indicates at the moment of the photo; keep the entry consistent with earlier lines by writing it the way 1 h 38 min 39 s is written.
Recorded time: 11 h 15 min 22 s
